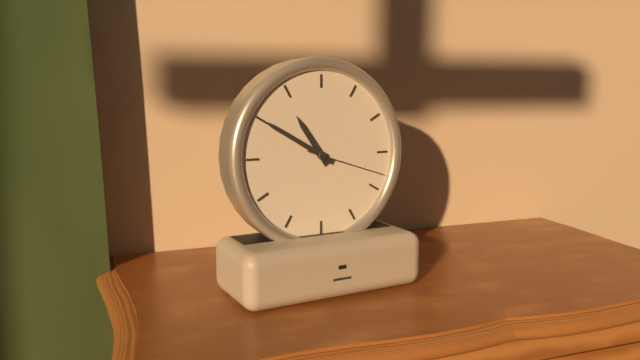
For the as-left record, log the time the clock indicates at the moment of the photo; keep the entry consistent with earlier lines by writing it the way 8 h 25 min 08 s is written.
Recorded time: 10 h 50 min 18 s
